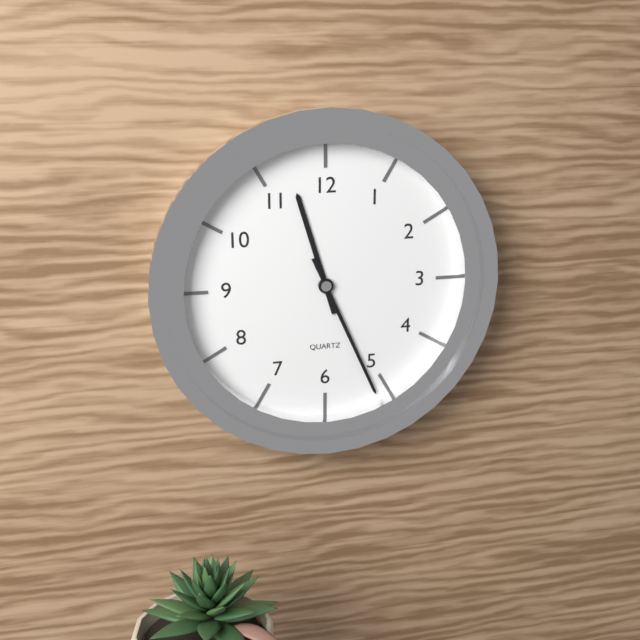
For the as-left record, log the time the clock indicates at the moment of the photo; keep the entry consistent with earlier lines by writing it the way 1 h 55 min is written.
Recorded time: 11 h 26 min
